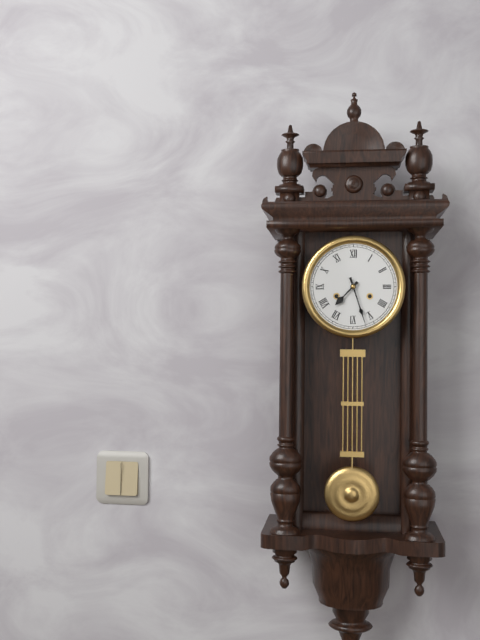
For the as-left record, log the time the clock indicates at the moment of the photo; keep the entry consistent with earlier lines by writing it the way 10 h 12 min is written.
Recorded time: 7 h 27 min
